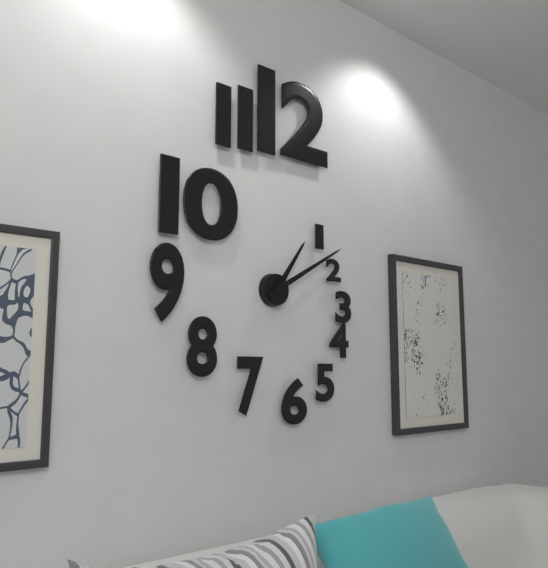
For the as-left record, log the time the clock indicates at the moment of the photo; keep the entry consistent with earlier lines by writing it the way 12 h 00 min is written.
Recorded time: 1 h 10 min
